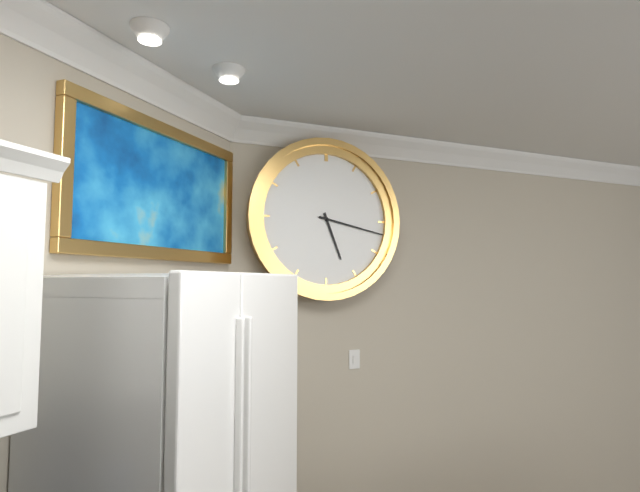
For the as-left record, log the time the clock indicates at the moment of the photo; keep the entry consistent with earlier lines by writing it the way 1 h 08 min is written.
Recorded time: 5 h 17 min
